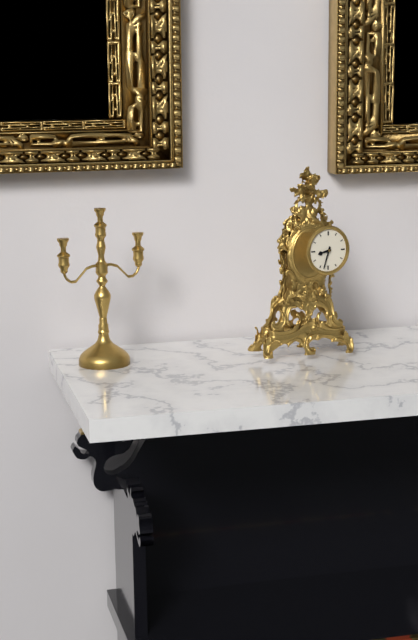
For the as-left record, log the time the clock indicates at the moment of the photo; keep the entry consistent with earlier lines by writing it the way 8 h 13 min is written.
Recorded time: 8 h 33 min
